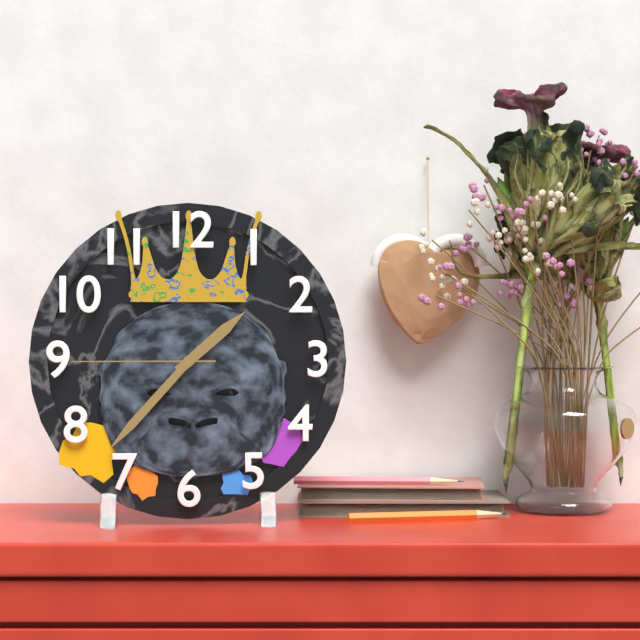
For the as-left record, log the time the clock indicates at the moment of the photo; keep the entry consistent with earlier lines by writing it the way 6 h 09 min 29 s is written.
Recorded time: 1 h 37 min 45 s
